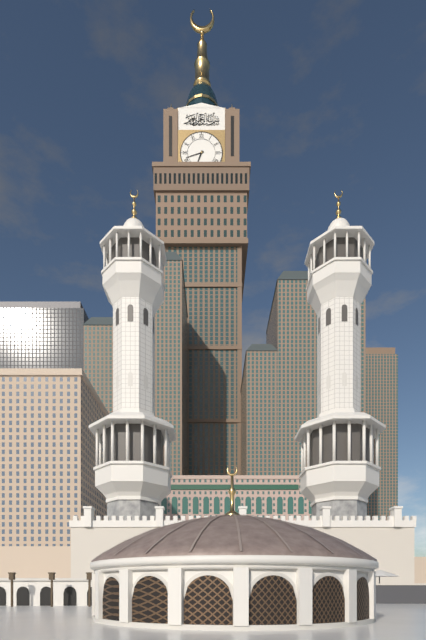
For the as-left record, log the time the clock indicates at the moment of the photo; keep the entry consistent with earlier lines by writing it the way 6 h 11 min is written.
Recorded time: 6 h 42 min
